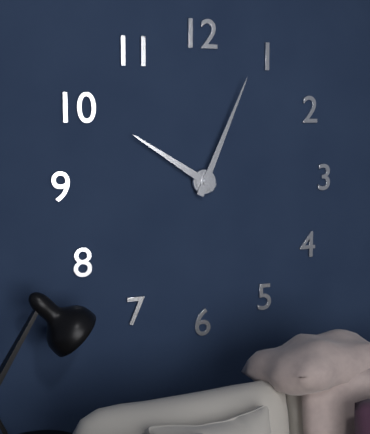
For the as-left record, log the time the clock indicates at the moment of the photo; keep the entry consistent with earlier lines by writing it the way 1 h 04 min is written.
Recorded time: 10 h 04 min
